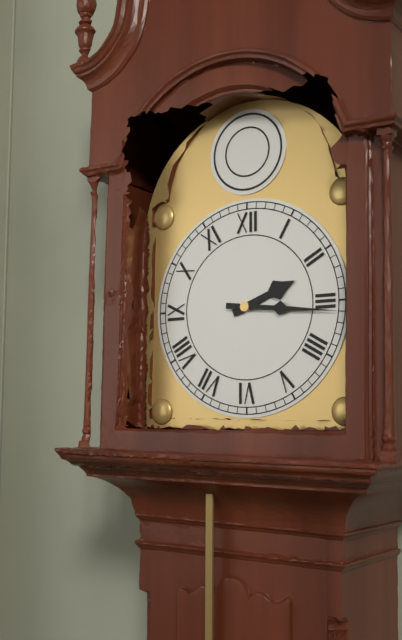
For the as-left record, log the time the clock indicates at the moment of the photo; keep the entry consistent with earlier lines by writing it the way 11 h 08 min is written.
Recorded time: 2 h 16 min
